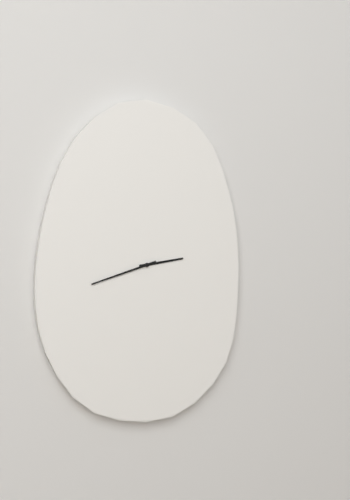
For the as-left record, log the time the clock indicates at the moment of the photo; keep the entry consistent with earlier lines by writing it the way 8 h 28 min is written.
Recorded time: 2 h 42 min
